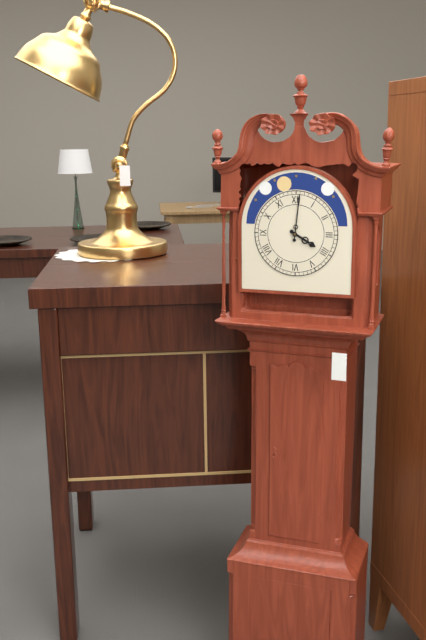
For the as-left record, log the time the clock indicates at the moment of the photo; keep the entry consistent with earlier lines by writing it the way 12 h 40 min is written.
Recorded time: 4 h 01 min
